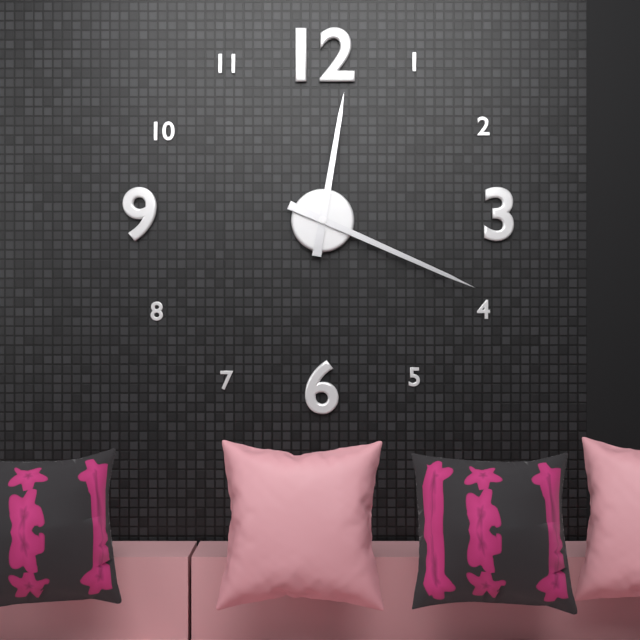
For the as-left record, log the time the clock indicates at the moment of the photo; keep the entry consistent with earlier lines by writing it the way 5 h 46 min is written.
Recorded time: 12 h 19 min
